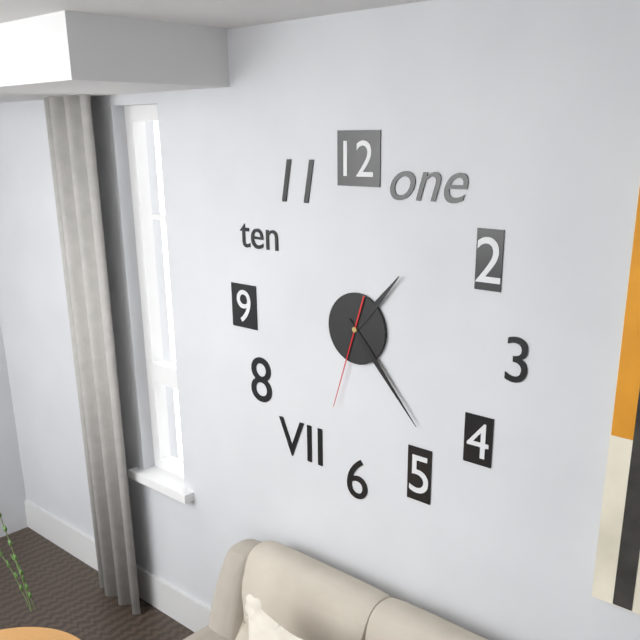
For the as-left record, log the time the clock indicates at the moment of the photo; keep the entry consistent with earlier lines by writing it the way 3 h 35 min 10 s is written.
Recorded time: 1 h 23 min 33 s
